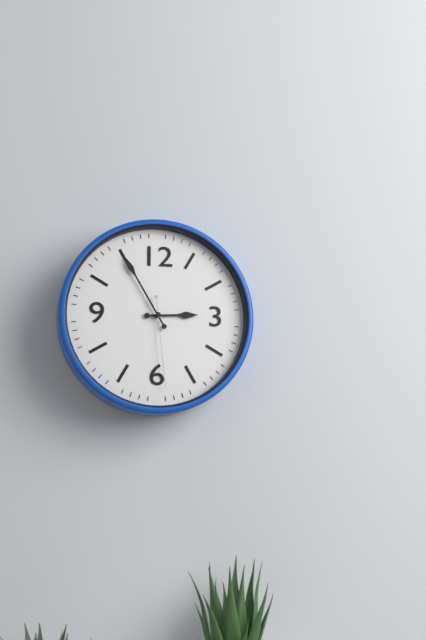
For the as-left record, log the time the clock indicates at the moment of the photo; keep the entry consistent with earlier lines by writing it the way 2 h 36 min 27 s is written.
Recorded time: 2 h 55 min 29 s
